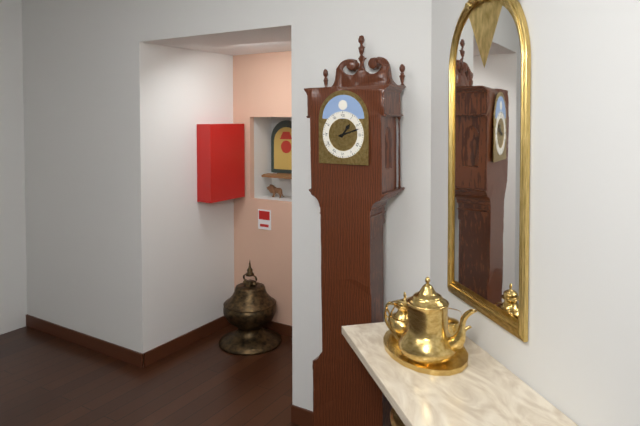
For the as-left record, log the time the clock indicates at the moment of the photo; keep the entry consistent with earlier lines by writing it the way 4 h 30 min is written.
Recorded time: 1 h 12 min
